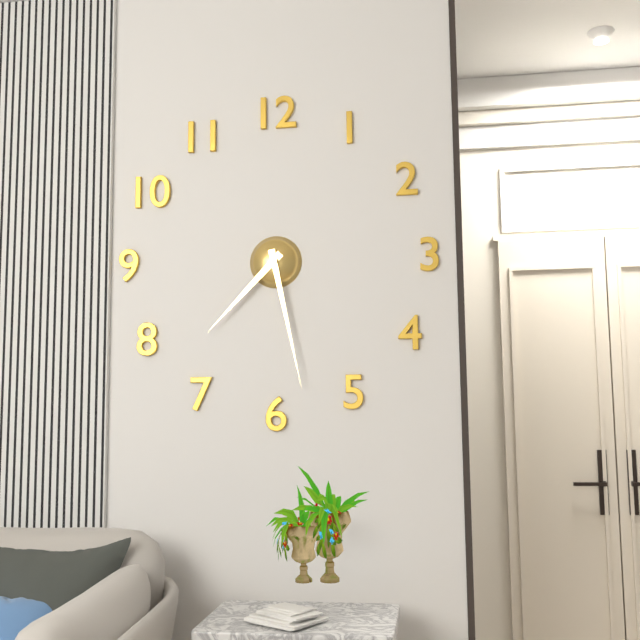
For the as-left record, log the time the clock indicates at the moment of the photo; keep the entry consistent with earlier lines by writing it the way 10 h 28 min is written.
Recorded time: 7 h 28 min
